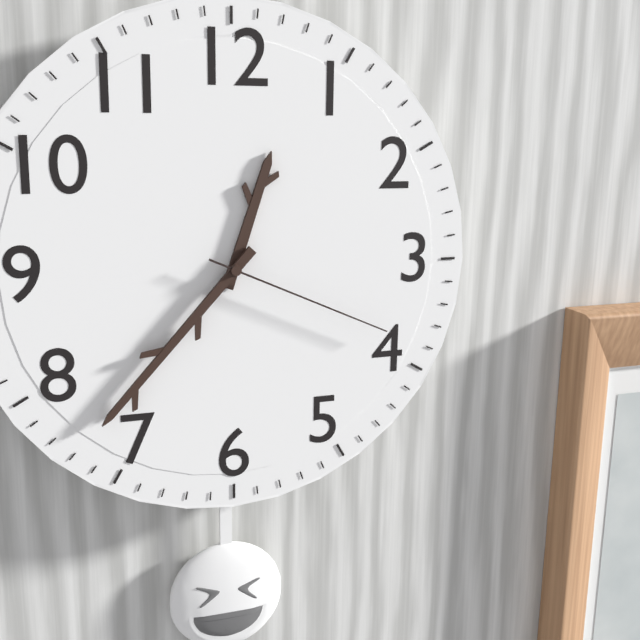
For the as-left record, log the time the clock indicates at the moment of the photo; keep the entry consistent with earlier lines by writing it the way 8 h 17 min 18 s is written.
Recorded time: 12 h 37 min 19 s
